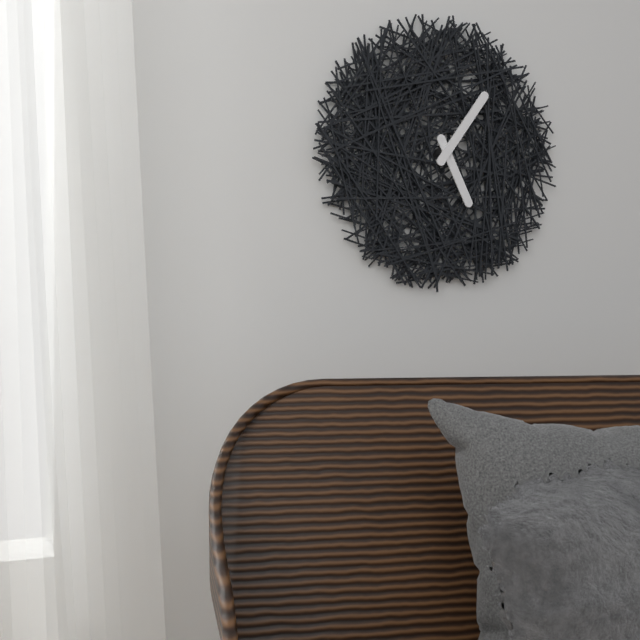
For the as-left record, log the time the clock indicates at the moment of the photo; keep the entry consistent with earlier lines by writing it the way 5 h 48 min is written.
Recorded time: 5 h 06 min
